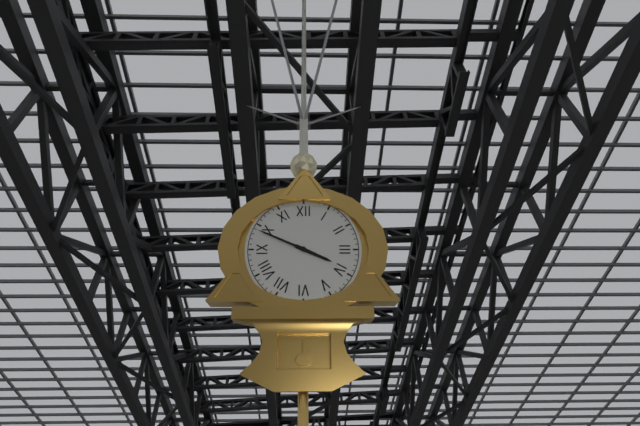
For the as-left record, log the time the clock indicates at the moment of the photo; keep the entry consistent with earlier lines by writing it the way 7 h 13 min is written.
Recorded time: 3 h 49 min
